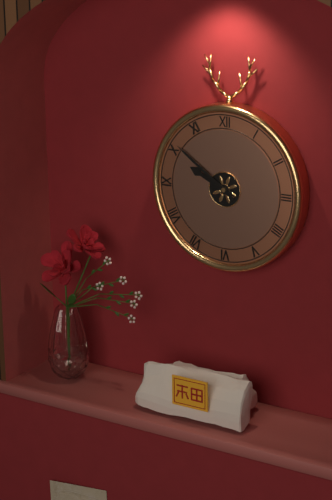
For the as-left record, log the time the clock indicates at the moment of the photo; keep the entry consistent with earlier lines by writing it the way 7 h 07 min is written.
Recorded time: 9 h 51 min
